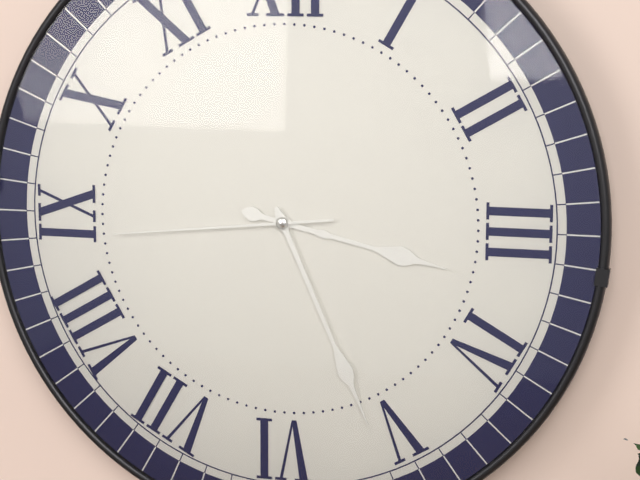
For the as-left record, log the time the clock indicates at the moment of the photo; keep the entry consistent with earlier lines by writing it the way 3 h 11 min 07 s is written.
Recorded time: 3 h 26 min 44 s
